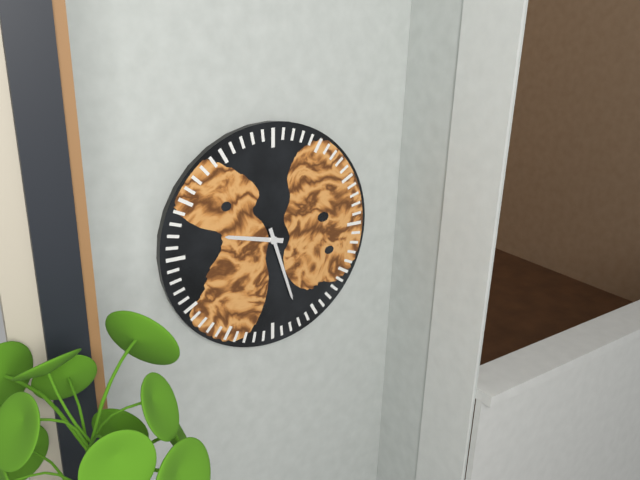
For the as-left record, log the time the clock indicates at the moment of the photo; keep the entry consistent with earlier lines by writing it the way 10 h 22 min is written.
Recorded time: 9 h 27 min
